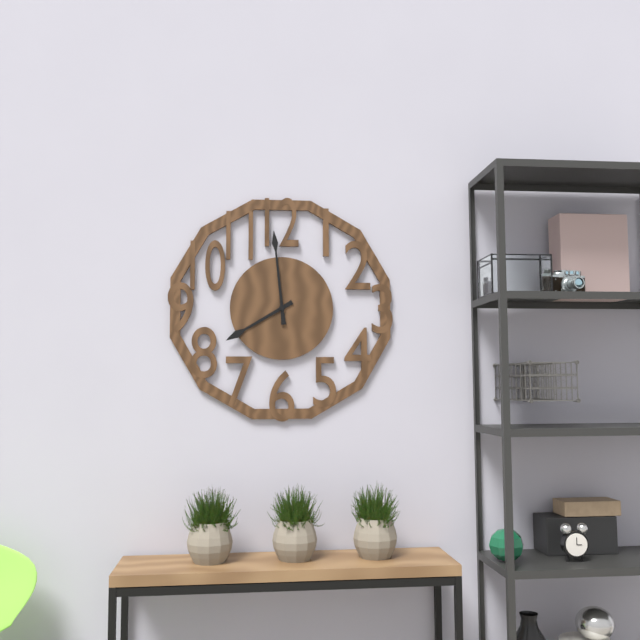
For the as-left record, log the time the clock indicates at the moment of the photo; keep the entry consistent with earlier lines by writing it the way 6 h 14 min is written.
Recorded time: 7 h 59 min
